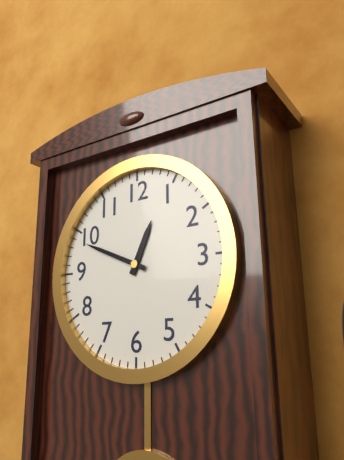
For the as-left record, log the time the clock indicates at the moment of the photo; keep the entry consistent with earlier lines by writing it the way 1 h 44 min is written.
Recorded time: 12 h 49 min
